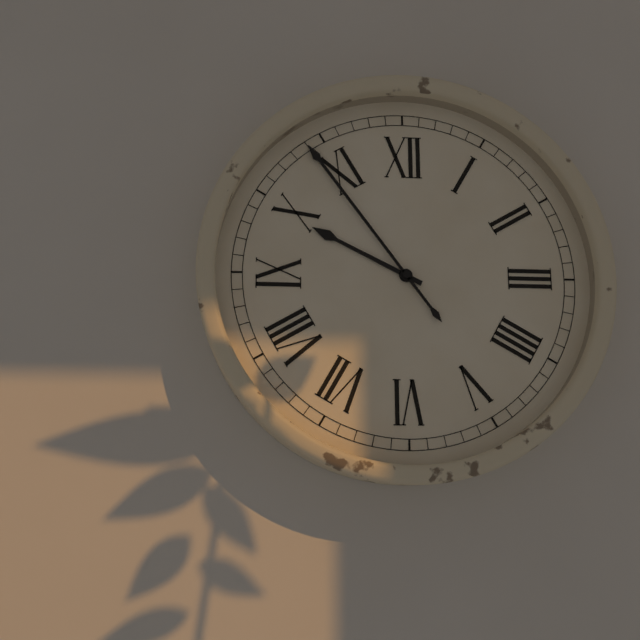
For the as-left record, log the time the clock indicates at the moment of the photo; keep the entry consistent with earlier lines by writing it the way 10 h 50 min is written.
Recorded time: 9 h 54 min
